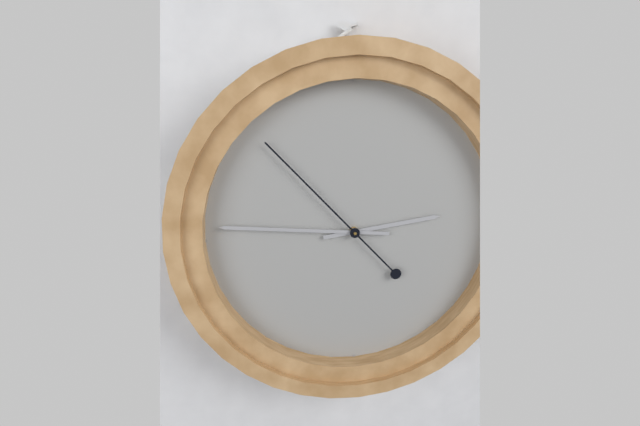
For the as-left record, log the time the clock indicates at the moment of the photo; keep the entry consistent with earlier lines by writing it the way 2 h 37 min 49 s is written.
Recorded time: 2 h 46 min 53 s
